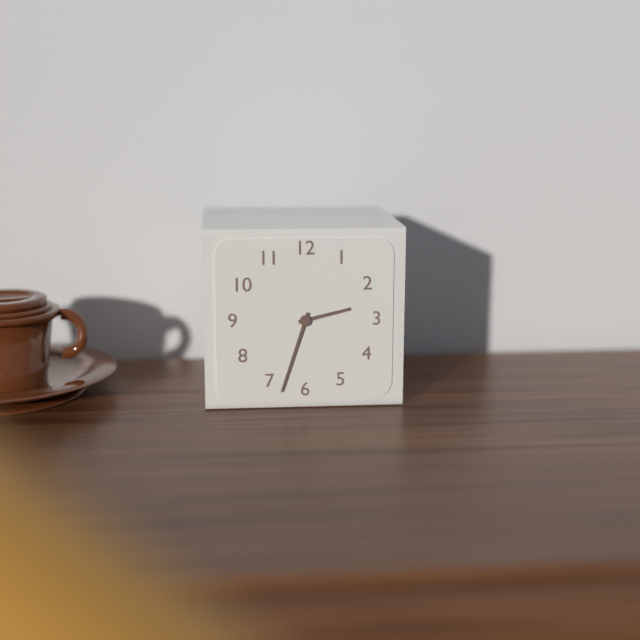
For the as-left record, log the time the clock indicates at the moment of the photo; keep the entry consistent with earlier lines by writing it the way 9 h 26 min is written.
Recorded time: 2 h 33 min
